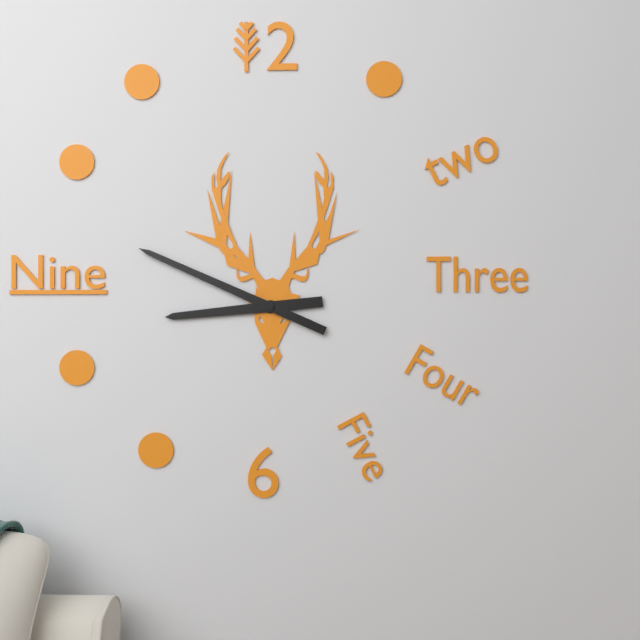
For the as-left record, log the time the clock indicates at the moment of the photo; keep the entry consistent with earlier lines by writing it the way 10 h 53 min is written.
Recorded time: 8 h 49 min
